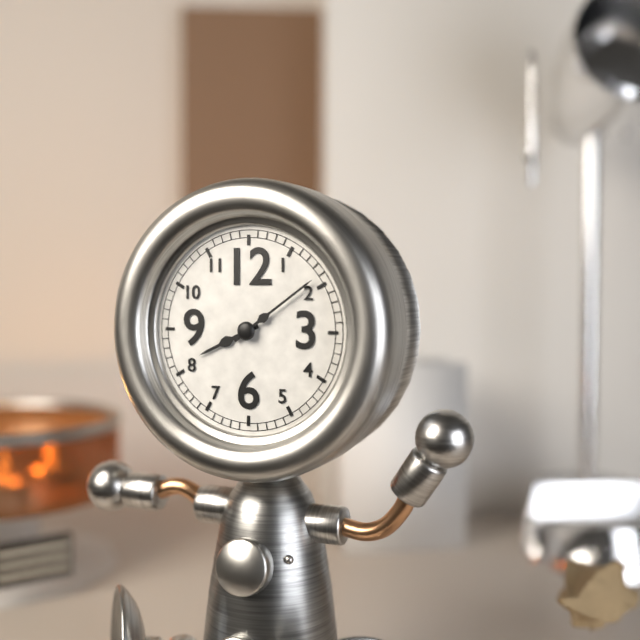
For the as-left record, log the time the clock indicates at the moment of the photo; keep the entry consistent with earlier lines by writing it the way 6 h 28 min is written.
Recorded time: 8 h 09 min
